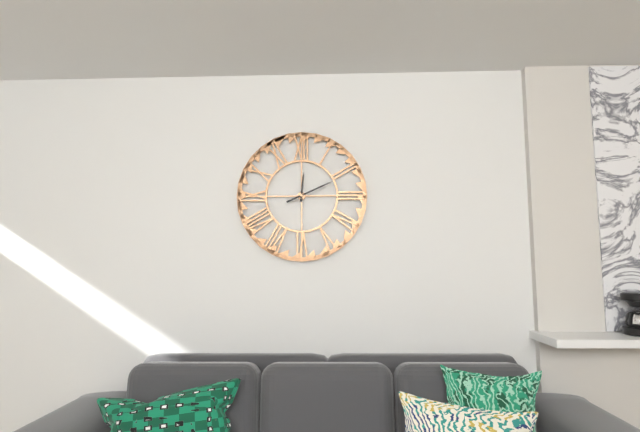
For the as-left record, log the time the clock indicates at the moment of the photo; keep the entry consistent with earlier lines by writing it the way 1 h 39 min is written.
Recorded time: 12 h 11 min
